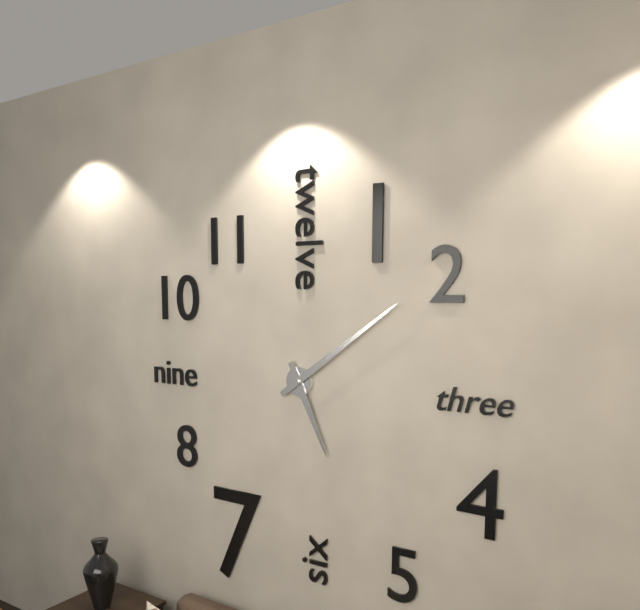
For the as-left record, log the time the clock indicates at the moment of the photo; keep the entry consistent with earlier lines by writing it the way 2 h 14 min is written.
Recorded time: 5 h 09 min
